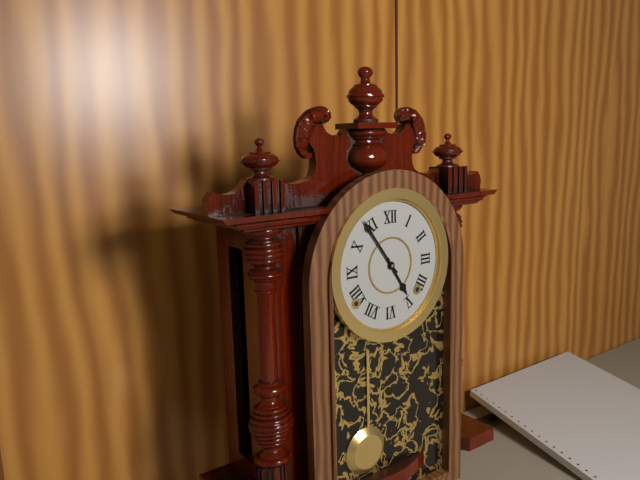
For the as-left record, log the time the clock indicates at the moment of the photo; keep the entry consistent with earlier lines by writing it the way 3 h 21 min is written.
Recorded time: 4 h 54 min
